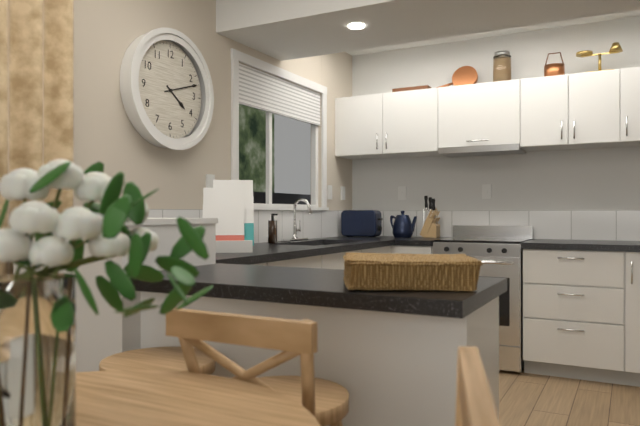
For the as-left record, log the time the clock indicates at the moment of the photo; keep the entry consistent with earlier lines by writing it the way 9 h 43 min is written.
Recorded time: 4 h 12 min
